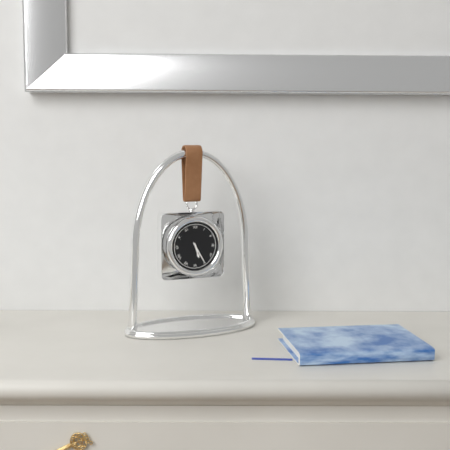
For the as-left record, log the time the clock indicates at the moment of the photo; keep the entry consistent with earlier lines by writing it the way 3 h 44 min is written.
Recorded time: 5 h 25 min
